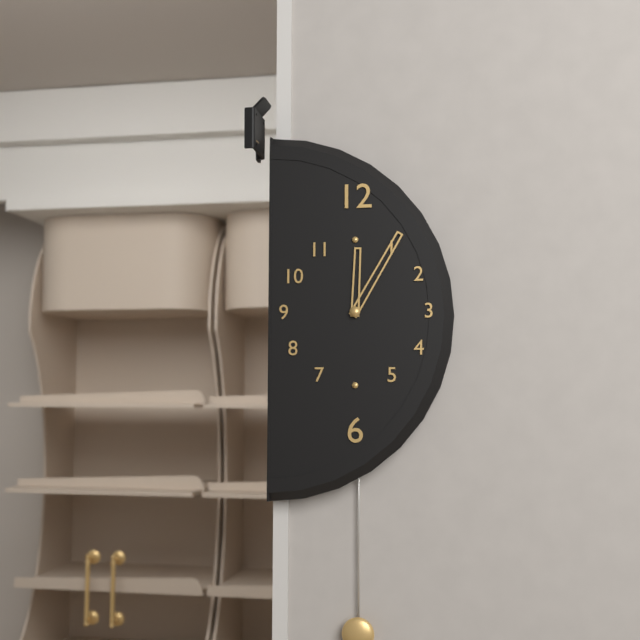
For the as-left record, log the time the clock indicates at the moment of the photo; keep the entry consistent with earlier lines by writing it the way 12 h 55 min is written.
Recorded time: 12 h 05 min
